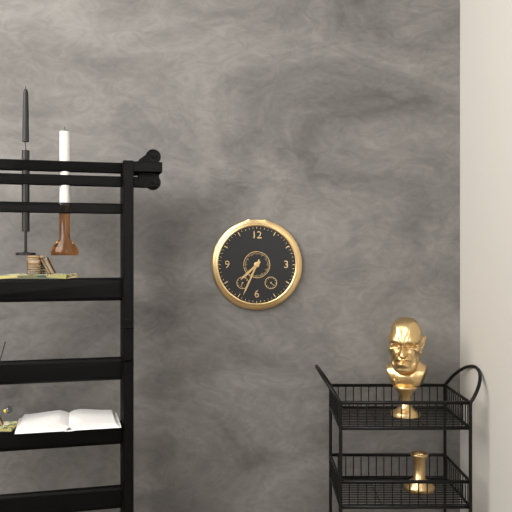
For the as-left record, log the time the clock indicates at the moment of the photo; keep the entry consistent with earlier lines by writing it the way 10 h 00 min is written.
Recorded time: 7 h 34 min
